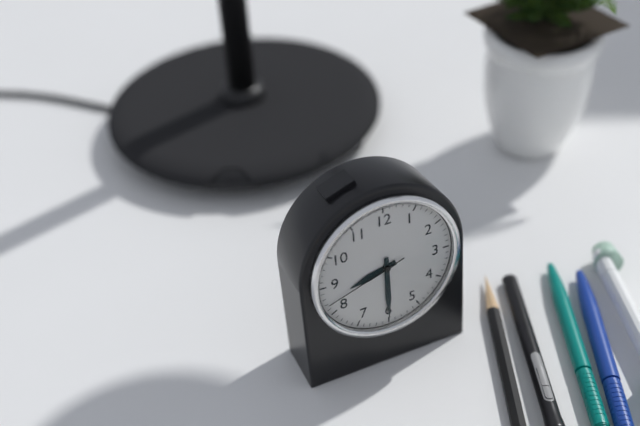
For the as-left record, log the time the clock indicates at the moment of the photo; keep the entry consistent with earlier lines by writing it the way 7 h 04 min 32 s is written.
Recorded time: 8 h 30 min 42 s
